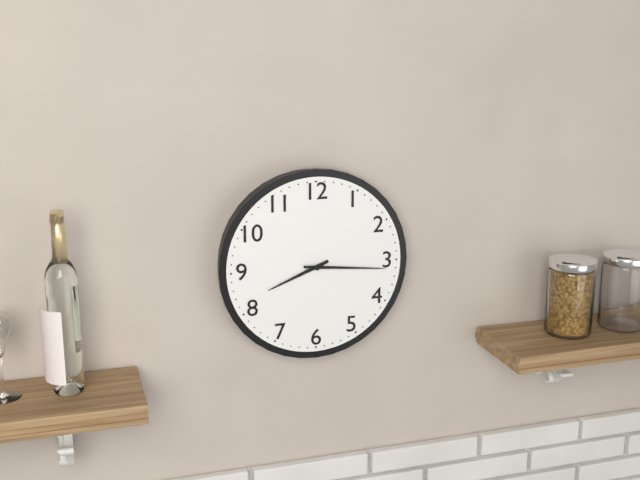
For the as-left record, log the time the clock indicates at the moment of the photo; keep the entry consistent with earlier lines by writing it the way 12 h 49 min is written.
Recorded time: 8 h 16 min
